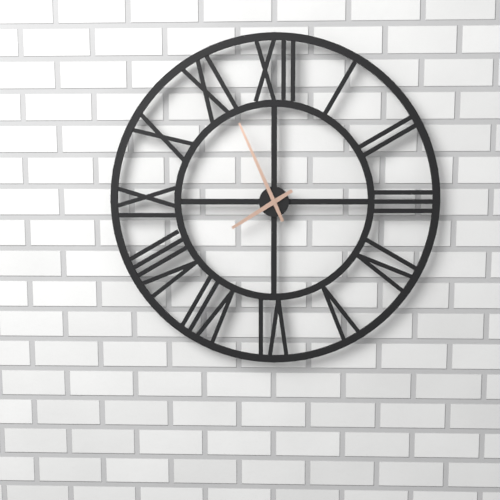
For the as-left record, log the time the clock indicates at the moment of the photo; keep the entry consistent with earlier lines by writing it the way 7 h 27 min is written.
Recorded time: 7 h 56 min
